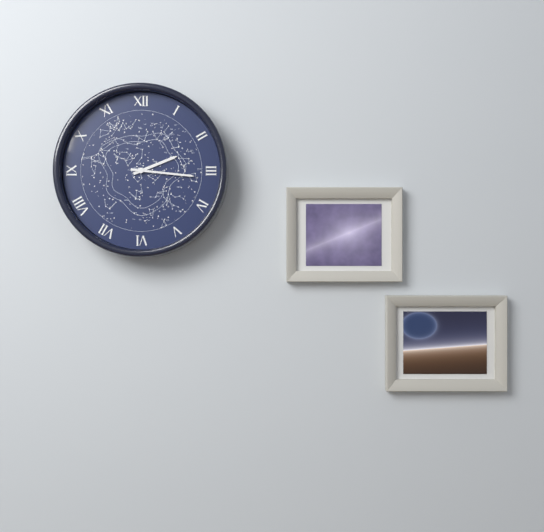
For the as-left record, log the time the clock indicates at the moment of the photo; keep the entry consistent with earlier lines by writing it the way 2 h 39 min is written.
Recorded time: 2 h 16 min
